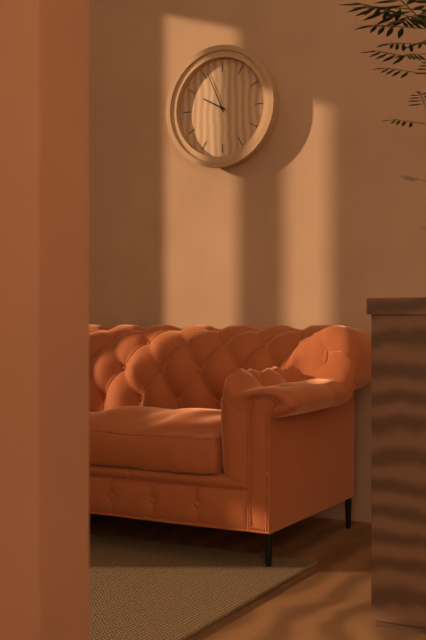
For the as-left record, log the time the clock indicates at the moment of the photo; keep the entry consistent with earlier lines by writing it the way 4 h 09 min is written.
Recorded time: 9 h 56 min
